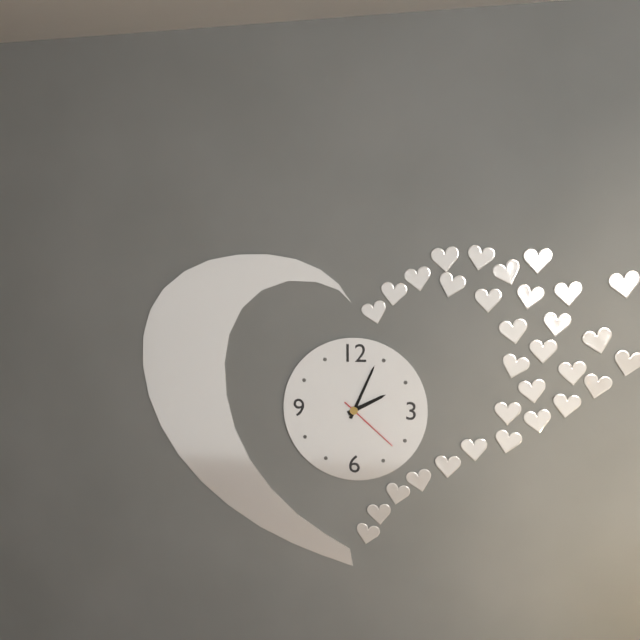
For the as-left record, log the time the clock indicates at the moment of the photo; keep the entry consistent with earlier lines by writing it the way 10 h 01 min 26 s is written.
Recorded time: 2 h 04 min 22 s
